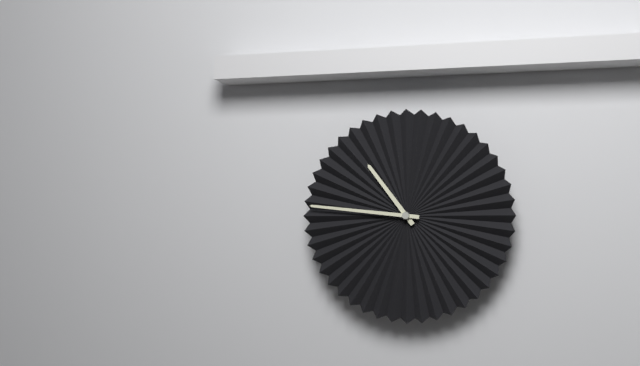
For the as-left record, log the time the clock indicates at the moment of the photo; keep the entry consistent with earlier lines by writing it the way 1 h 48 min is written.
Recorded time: 10 h 46 min
